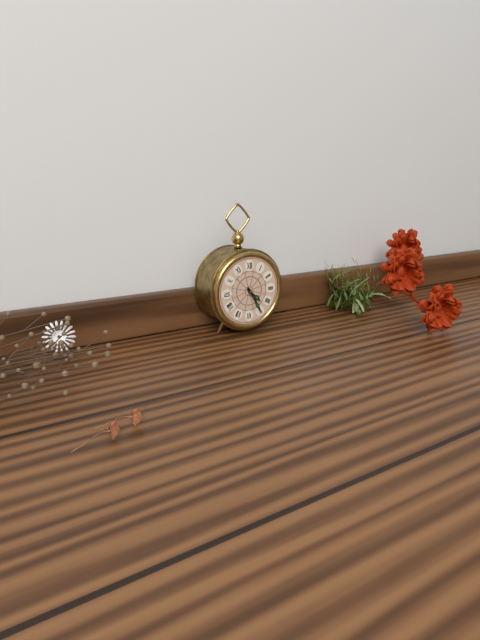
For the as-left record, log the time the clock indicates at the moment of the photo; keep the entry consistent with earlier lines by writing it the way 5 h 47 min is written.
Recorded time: 4 h 25 min
